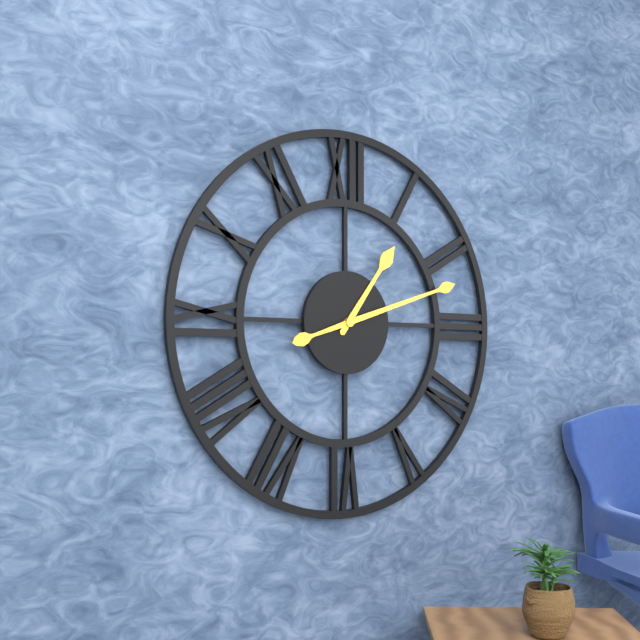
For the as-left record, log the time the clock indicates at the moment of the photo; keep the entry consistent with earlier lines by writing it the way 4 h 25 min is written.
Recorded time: 1 h 12 min
